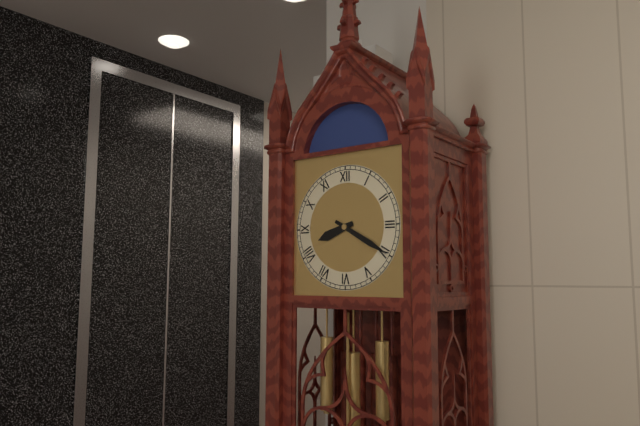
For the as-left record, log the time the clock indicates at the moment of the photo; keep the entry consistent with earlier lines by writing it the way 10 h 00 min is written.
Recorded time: 8 h 20 min
